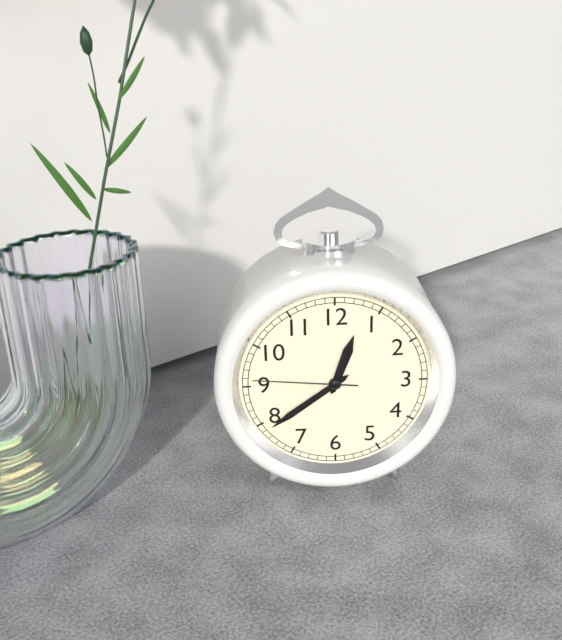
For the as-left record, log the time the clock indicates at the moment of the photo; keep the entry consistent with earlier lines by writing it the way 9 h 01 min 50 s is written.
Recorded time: 12 h 39 min 46 s
